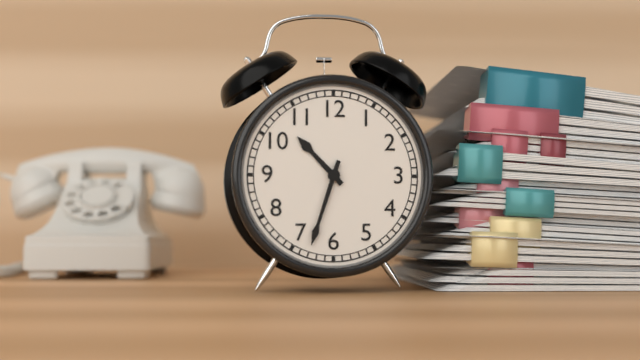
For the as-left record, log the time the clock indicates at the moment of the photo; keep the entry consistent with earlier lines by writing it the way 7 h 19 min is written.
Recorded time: 10 h 33 min
